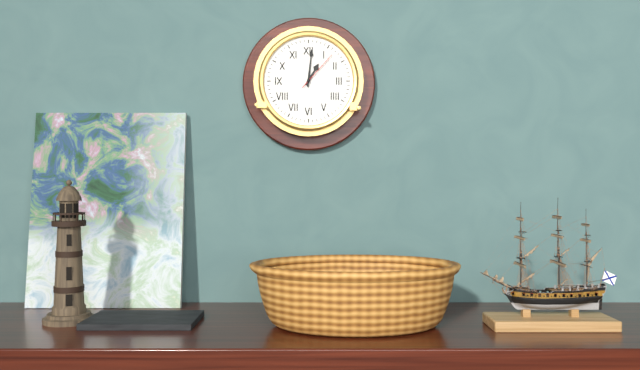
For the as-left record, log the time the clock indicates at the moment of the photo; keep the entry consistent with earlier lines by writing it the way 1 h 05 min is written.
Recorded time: 1 h 01 min
